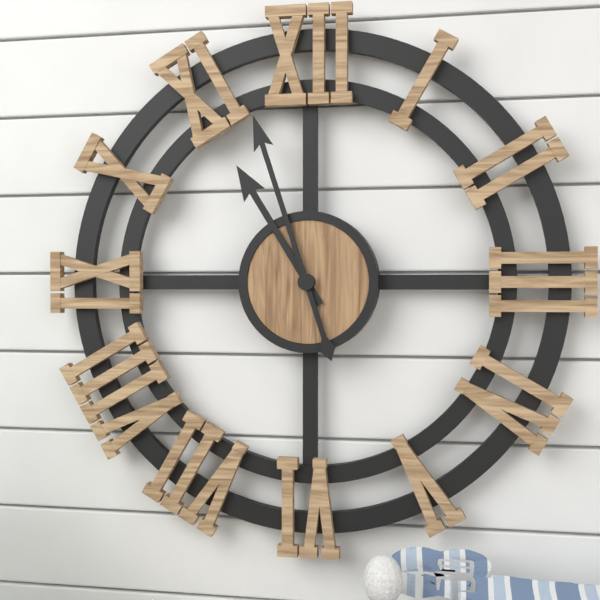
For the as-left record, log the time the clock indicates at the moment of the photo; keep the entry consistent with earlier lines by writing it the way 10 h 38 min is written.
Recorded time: 10 h 57 min
